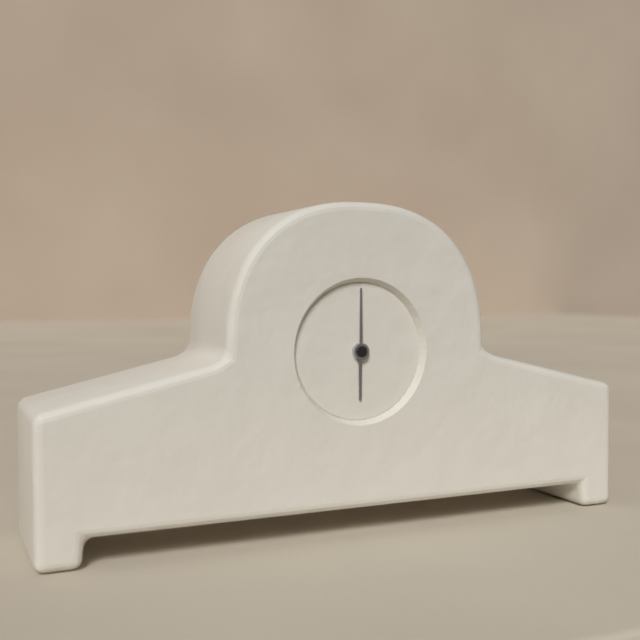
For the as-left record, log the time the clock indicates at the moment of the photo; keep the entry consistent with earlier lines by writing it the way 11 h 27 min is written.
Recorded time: 6 h 00 min
